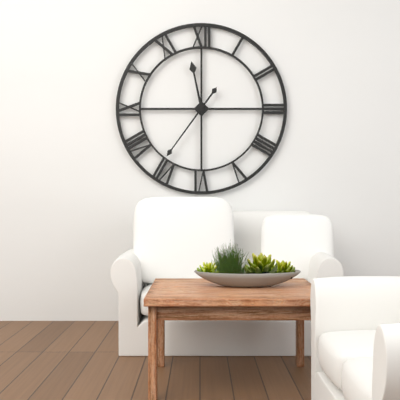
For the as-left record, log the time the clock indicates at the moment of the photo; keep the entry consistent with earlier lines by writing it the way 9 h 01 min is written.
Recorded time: 11 h 36 min
